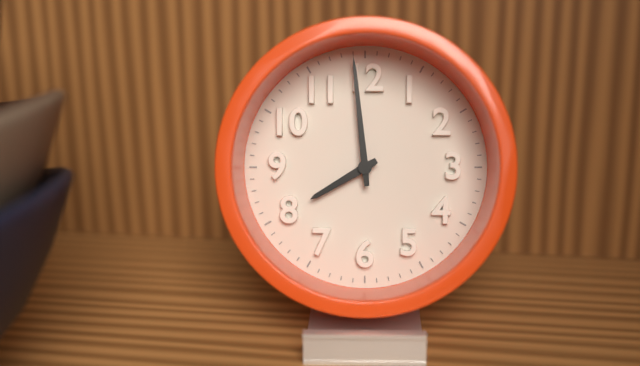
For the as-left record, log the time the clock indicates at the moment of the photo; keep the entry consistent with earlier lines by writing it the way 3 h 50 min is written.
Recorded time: 7 h 59 min
